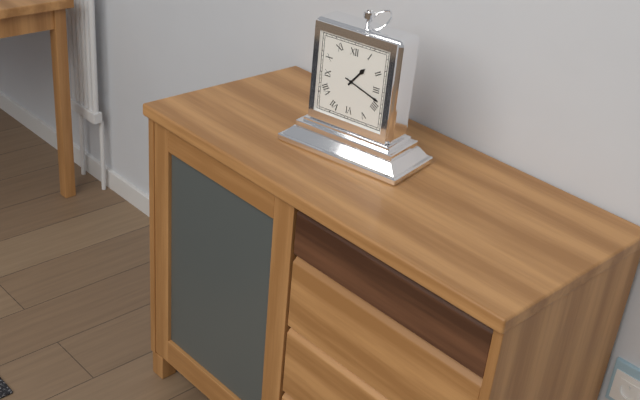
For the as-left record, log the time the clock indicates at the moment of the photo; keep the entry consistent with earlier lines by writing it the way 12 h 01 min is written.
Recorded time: 1 h 18 min
